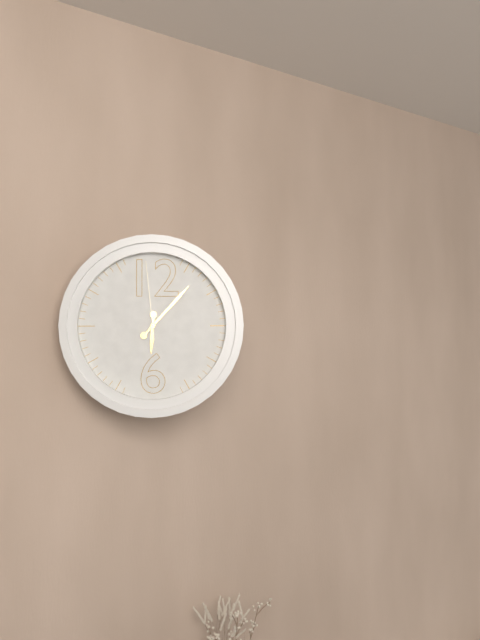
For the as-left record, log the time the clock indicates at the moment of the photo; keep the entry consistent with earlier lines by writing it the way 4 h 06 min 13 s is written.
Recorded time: 6 h 07 min 59 s
